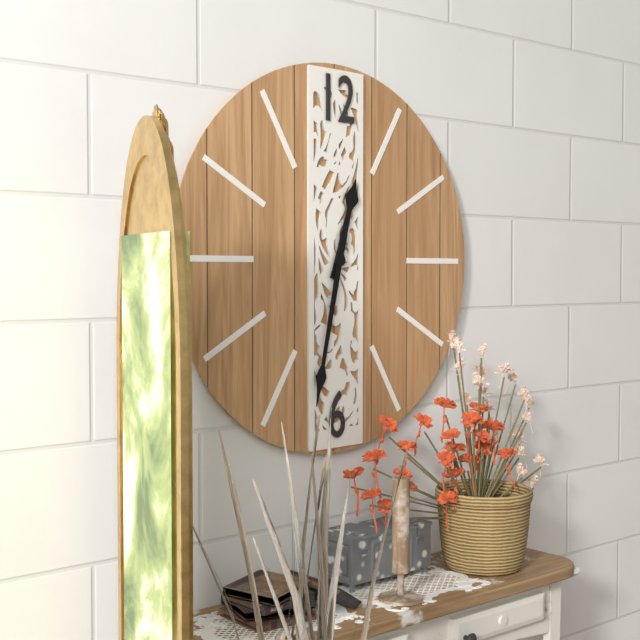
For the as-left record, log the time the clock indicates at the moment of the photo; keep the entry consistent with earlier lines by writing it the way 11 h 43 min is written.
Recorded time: 12 h 32 min
